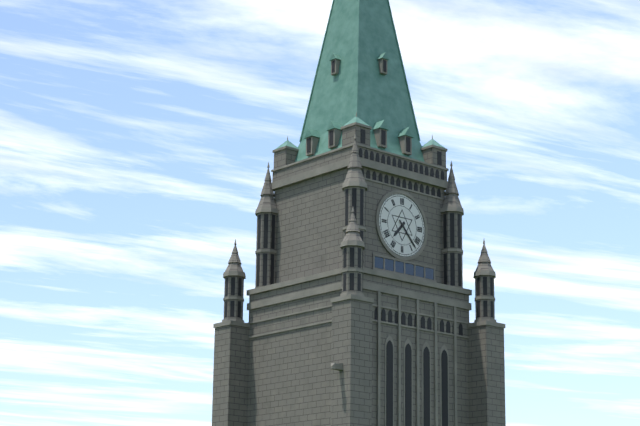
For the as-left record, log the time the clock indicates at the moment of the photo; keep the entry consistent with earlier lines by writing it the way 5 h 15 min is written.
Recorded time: 7 h 23 min
